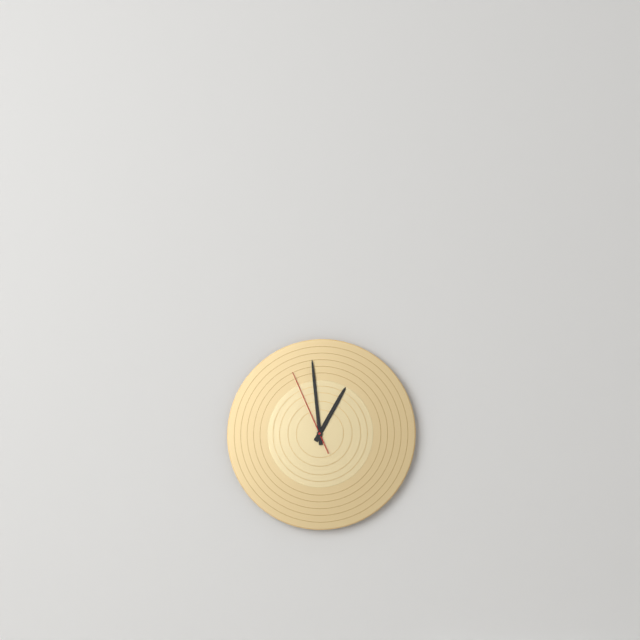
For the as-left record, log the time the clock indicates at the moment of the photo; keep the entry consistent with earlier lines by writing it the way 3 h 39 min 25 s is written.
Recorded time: 12 h 59 min 56 s
